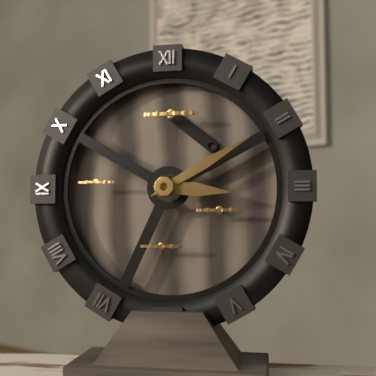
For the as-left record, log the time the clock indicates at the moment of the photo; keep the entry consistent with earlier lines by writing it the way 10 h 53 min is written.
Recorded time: 3 h 10 min
